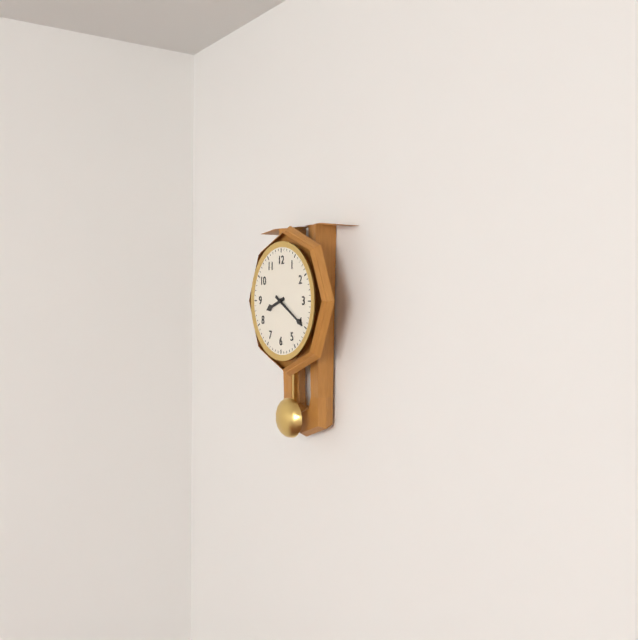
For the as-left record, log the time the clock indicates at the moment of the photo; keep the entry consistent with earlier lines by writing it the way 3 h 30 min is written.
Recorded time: 8 h 20 min
